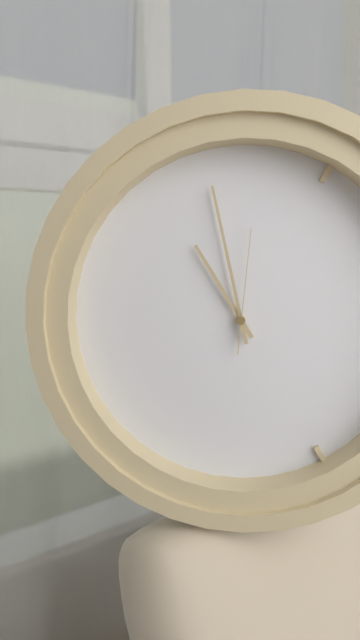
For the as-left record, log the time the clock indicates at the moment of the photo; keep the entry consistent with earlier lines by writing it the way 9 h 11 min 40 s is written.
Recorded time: 10 h 58 min 01 s
